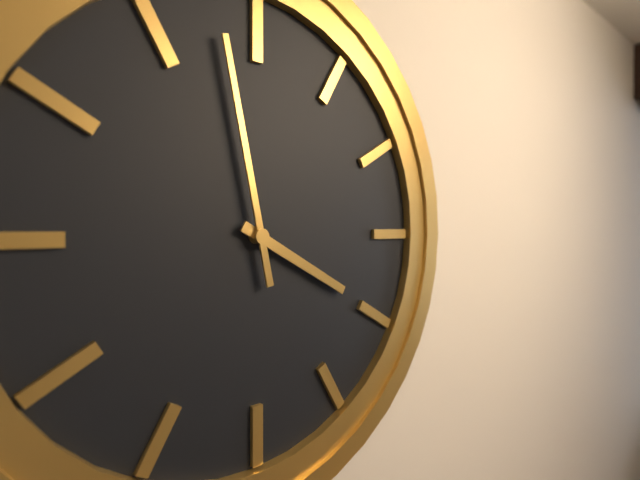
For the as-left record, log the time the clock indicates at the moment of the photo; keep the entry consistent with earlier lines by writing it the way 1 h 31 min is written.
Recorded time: 3 h 58 min
